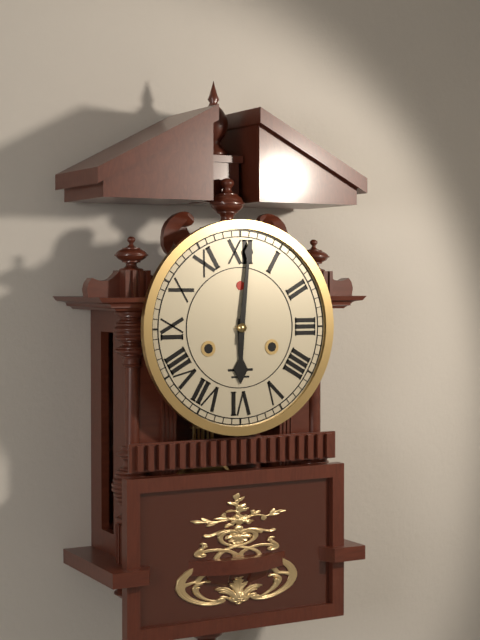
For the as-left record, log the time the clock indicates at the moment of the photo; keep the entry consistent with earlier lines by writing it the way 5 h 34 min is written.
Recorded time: 6 h 01 min
